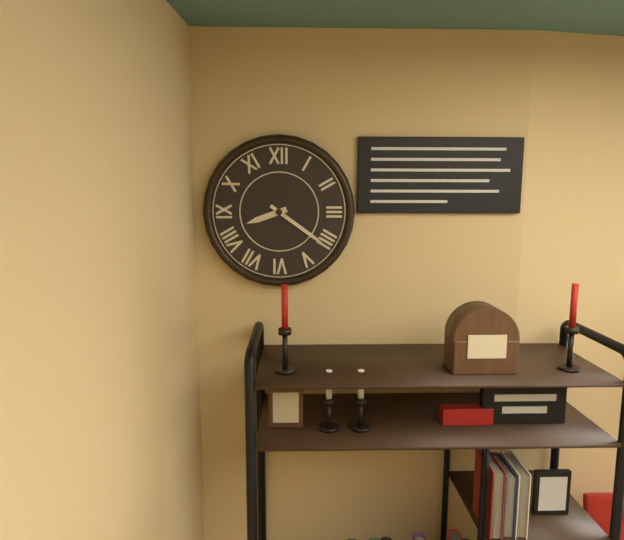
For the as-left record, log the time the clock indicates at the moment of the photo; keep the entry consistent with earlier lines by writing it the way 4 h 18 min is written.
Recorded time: 8 h 21 min
